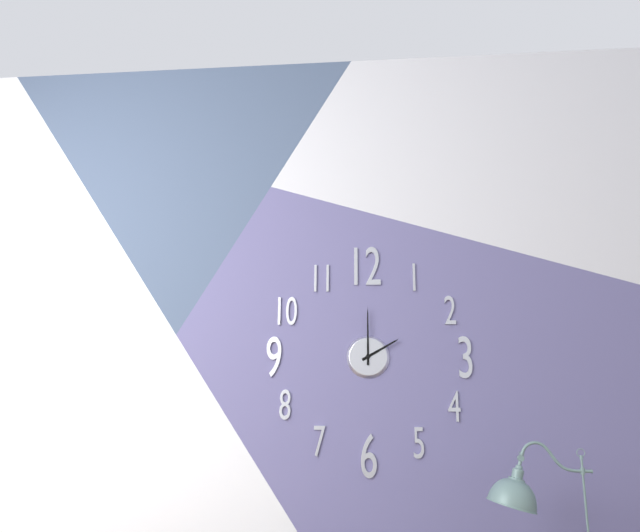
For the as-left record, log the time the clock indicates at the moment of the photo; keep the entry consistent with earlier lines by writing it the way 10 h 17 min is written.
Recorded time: 2 h 00 min
